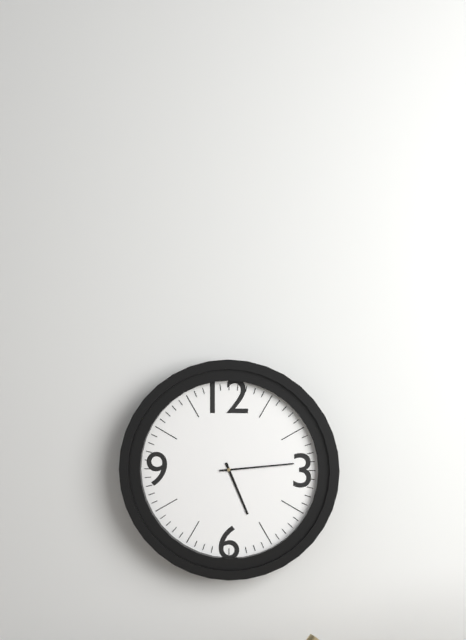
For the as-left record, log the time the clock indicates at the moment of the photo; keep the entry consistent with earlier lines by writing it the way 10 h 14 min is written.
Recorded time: 5 h 14 min
